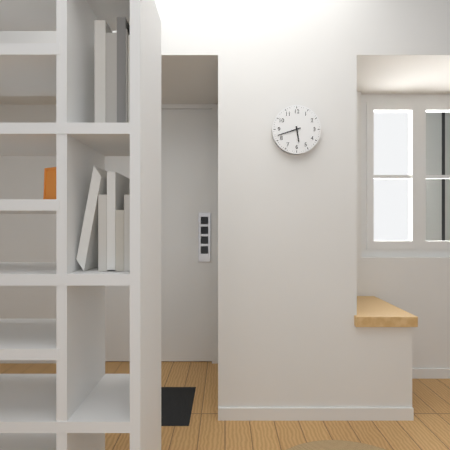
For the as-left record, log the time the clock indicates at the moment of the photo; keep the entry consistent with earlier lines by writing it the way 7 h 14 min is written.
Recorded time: 5 h 42 min
